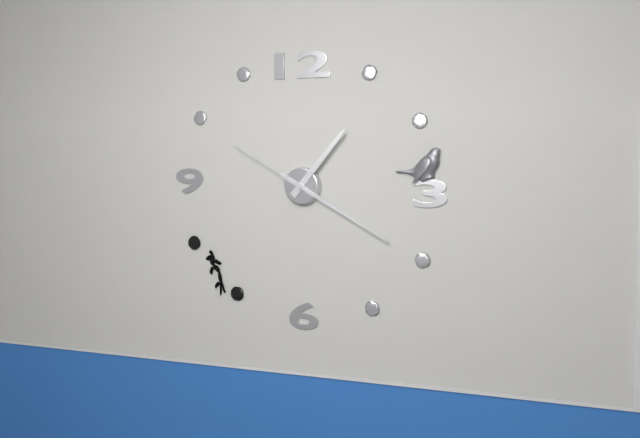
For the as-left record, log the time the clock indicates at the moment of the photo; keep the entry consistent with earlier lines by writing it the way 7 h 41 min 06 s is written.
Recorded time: 1 h 20 min 50 s
